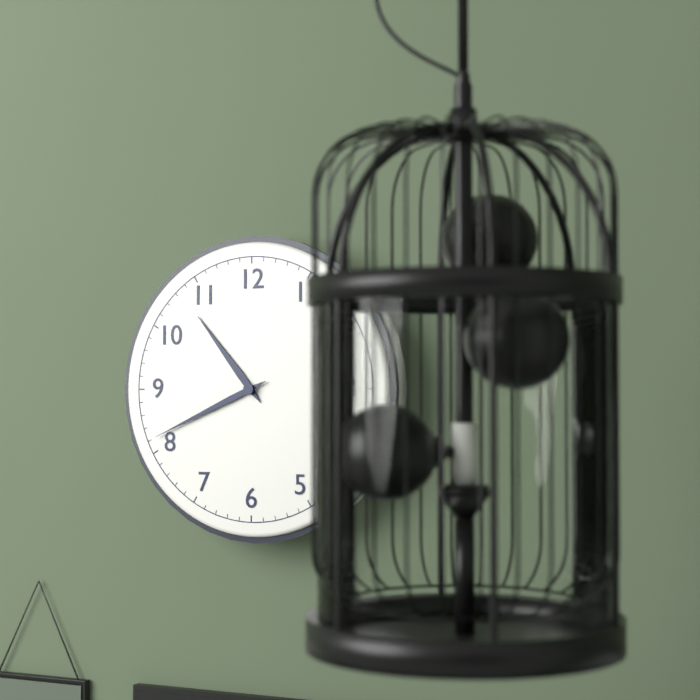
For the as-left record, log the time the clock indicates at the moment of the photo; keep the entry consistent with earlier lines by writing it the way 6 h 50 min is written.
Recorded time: 10 h 41 min
